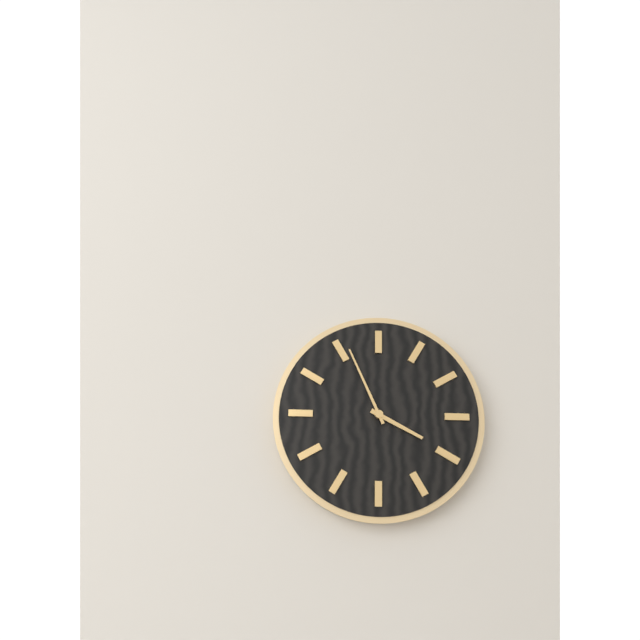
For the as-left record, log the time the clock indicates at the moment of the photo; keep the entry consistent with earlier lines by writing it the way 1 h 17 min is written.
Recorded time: 3 h 56 min
